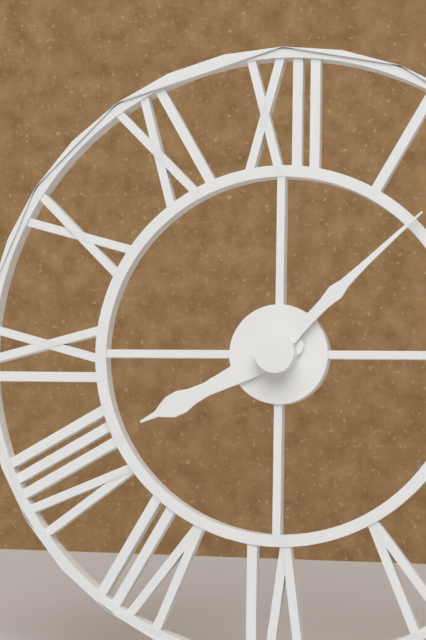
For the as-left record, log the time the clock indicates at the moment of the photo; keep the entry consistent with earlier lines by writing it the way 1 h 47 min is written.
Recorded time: 8 h 07 min
